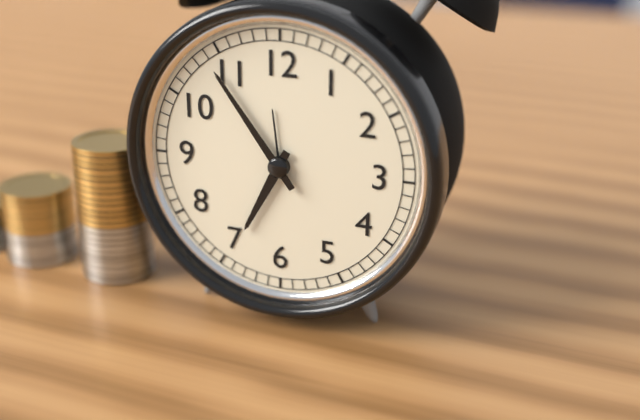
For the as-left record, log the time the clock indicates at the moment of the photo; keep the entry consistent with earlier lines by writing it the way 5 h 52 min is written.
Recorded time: 6 h 54 min
